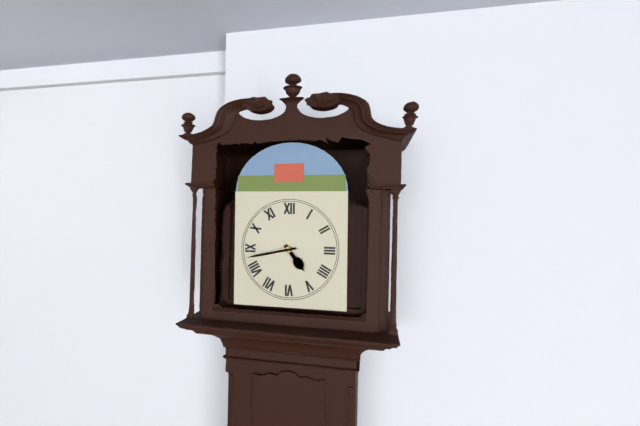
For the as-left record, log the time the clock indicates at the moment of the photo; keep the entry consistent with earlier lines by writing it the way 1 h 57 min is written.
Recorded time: 4 h 43 min
